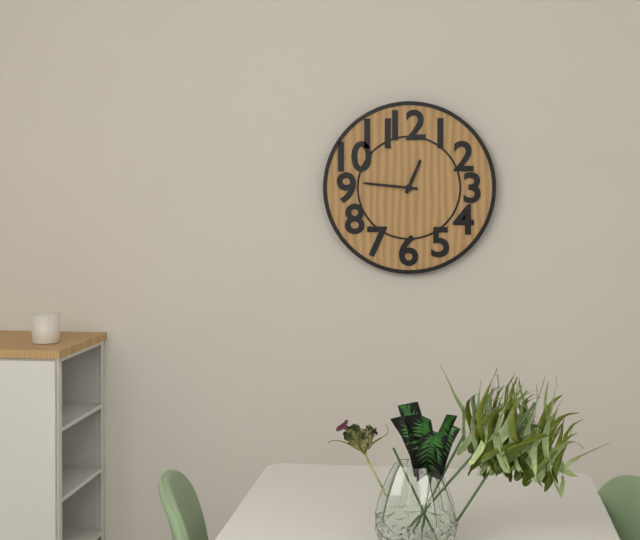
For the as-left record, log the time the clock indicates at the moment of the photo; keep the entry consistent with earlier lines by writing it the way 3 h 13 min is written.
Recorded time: 12 h 46 min
